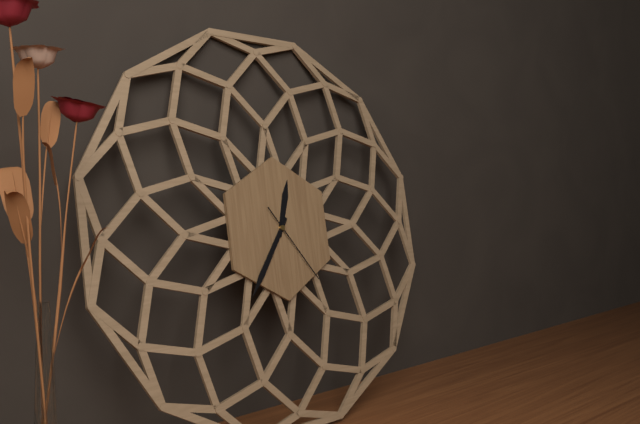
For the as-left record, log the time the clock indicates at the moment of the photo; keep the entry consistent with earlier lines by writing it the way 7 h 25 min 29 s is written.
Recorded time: 12 h 36 min 24 s
